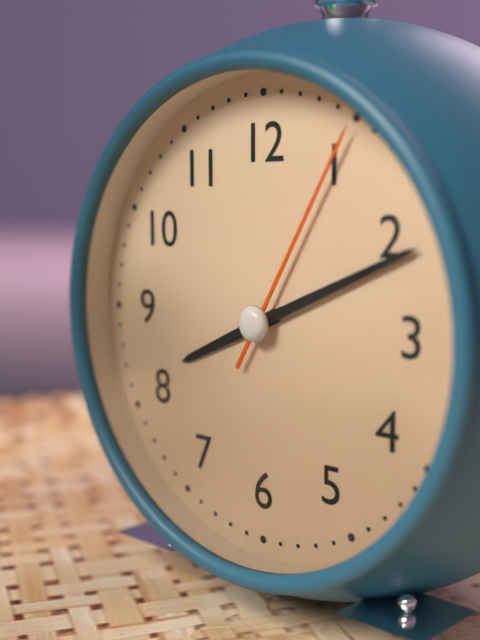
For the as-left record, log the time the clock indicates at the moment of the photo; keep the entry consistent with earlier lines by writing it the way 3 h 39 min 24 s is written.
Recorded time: 8 h 11 min 05 s
